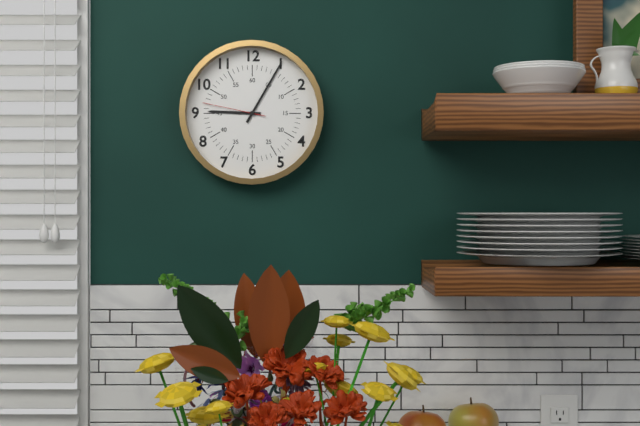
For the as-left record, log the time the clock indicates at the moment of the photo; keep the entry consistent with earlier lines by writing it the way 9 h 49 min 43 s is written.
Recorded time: 9 h 05 min 47 s
